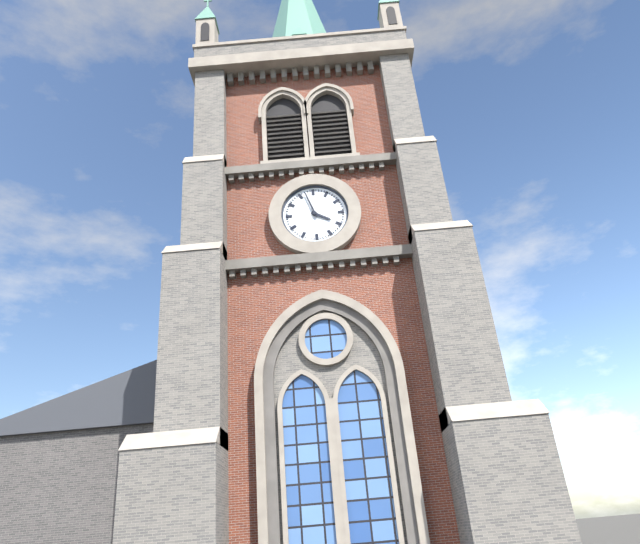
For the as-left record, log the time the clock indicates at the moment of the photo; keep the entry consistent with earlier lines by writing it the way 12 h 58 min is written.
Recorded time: 3 h 57 min
